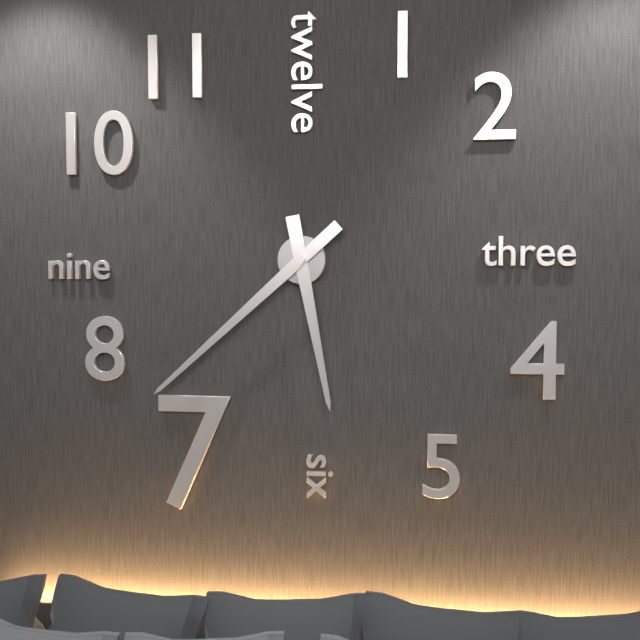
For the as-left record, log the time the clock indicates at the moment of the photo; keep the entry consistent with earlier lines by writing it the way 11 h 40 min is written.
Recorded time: 5 h 38 min
